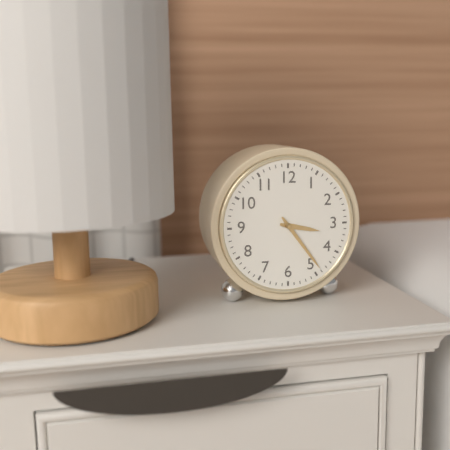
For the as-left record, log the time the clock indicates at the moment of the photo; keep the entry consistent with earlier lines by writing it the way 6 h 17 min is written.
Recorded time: 3 h 24 min
